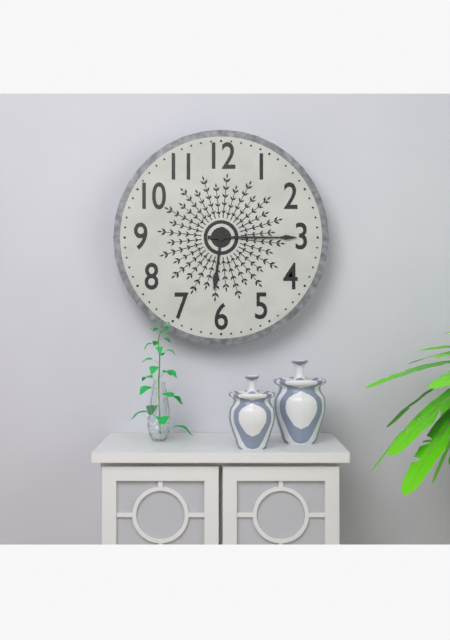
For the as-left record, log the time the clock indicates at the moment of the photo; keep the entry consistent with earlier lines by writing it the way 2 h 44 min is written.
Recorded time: 6 h 15 min
